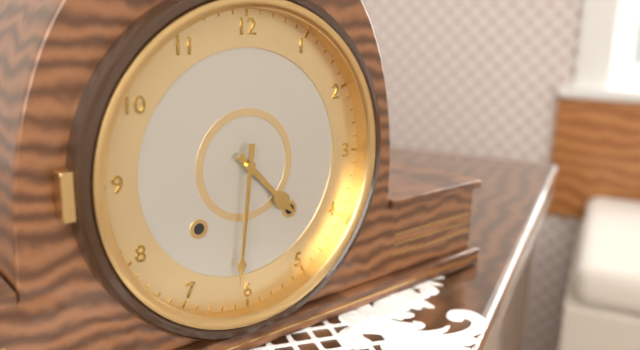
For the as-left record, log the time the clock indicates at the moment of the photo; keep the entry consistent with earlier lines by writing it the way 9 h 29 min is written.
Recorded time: 4 h 31 min
